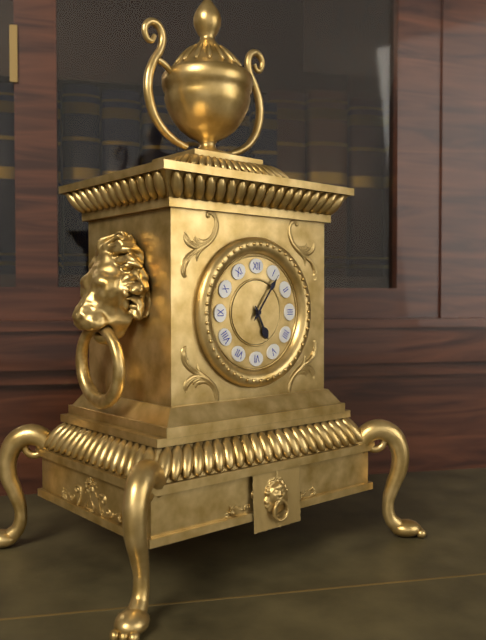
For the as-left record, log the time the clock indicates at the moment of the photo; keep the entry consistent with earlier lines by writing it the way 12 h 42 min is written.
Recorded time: 5 h 06 min
